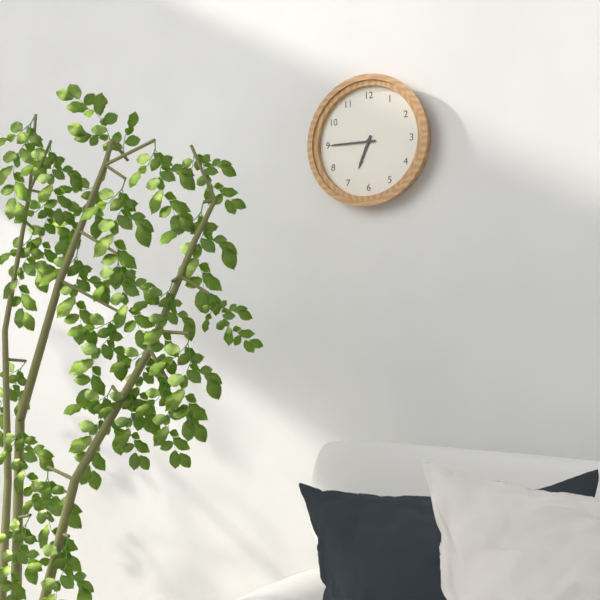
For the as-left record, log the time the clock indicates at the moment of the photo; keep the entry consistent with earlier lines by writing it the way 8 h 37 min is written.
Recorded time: 6 h 45 min
